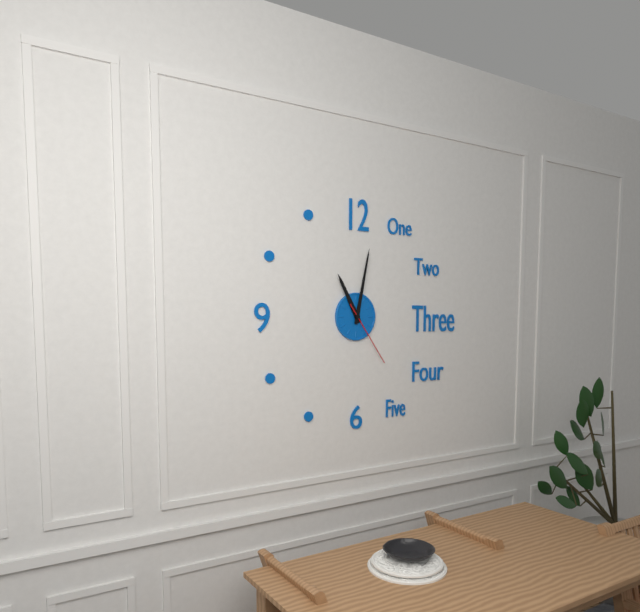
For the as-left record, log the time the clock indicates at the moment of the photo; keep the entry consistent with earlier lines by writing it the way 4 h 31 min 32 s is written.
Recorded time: 11 h 02 min 24 s
